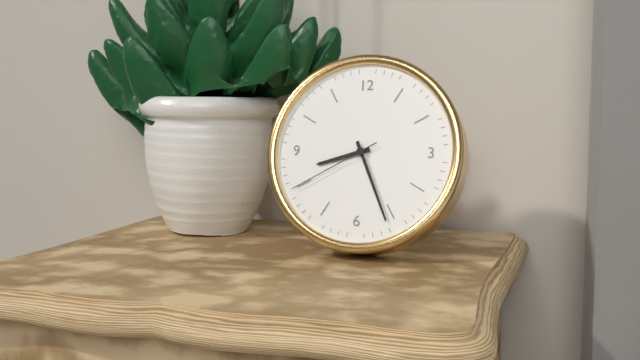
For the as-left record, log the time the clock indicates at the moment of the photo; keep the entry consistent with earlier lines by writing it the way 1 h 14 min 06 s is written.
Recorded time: 8 h 26 min 40 s
